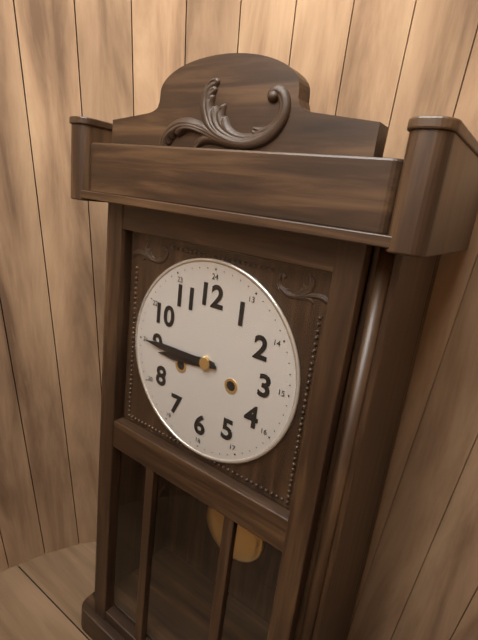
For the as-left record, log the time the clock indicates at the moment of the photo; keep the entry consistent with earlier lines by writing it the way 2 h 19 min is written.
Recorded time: 8 h 45 min
